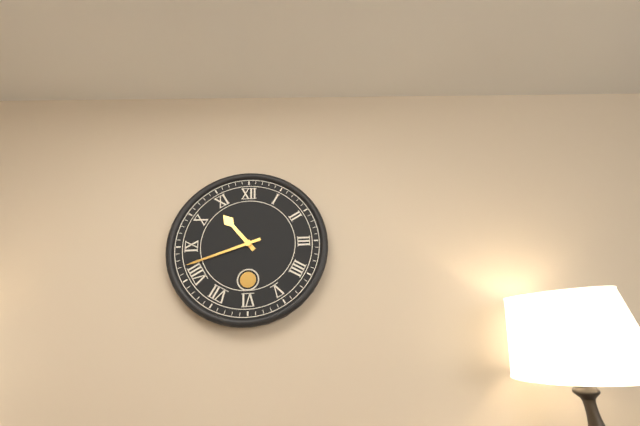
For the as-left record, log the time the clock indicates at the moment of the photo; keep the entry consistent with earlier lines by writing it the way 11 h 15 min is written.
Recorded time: 10 h 42 min
